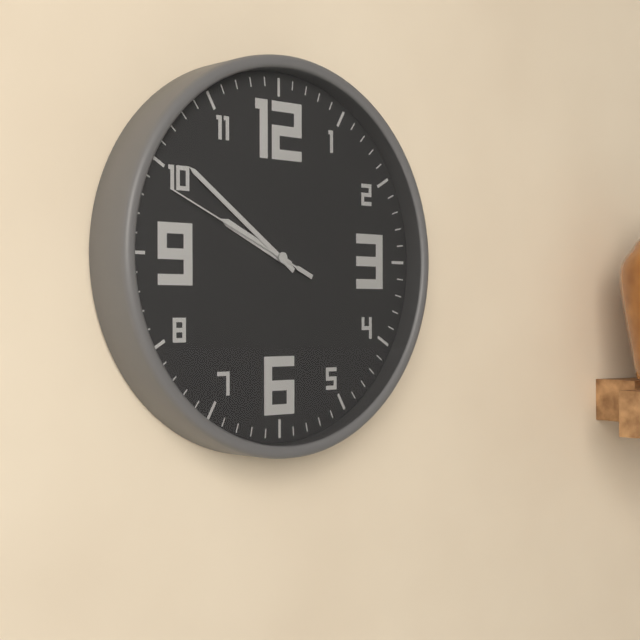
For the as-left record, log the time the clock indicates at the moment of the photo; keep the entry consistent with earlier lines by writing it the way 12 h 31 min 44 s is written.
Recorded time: 9 h 51 min 49 s
